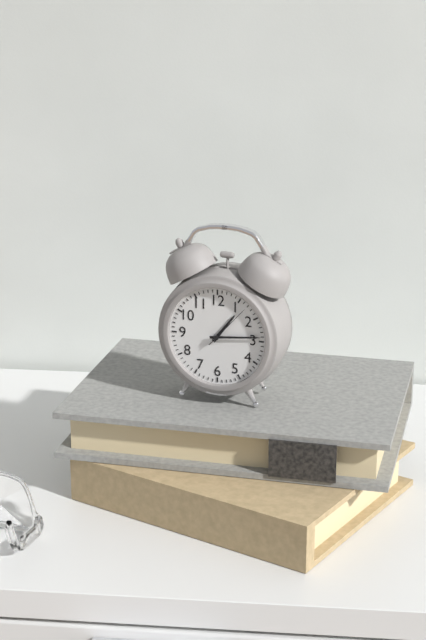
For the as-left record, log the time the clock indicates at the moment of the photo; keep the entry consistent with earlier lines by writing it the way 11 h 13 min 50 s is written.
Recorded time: 1 h 14 min 07 s
